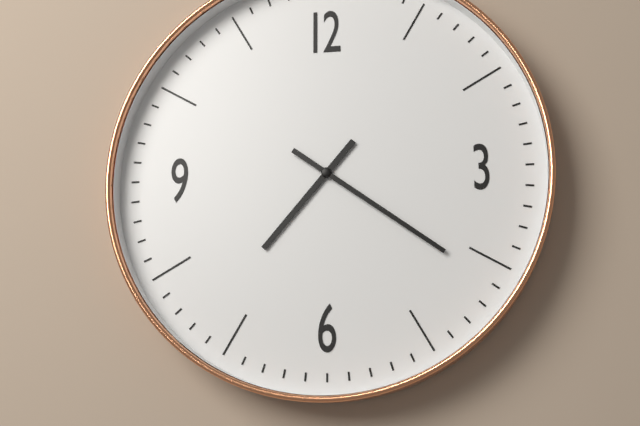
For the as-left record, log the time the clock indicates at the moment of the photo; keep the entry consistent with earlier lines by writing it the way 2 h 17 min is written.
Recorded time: 7 h 21 min
